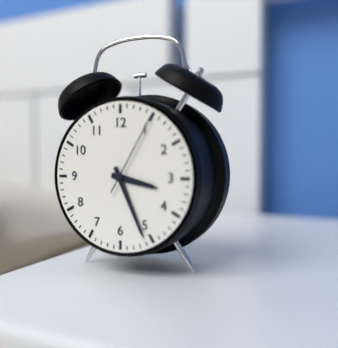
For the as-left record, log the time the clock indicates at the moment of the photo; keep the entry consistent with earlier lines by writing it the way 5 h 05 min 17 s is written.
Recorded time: 3 h 26 min 05 s
